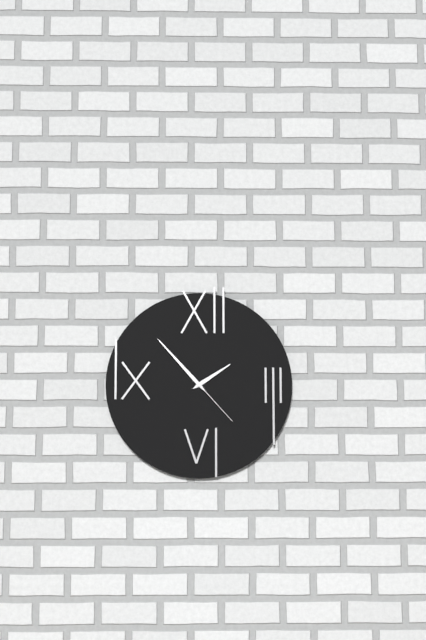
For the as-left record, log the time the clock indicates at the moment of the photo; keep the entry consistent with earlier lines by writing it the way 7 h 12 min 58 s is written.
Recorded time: 1 h 53 min 23 s
